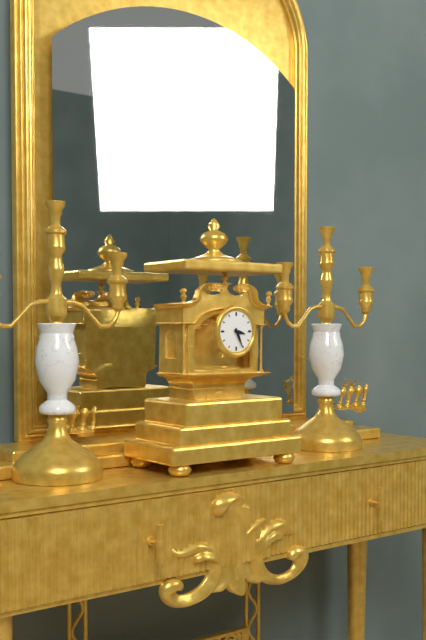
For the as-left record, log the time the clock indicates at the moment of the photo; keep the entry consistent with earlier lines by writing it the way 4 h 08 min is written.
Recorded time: 3 h 26 min
